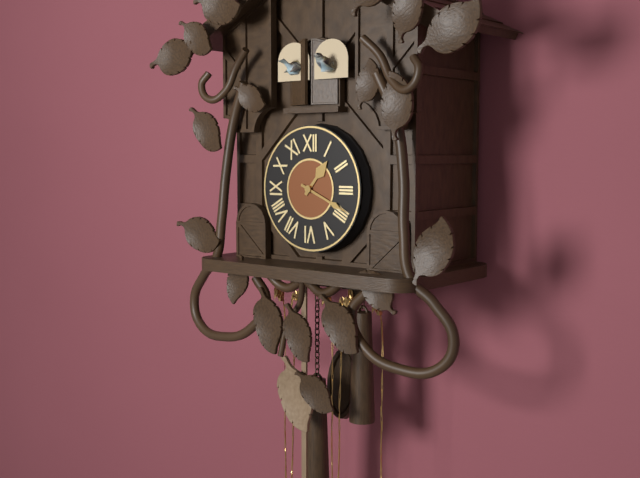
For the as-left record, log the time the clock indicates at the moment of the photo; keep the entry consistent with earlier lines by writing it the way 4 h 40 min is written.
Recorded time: 1 h 19 min
